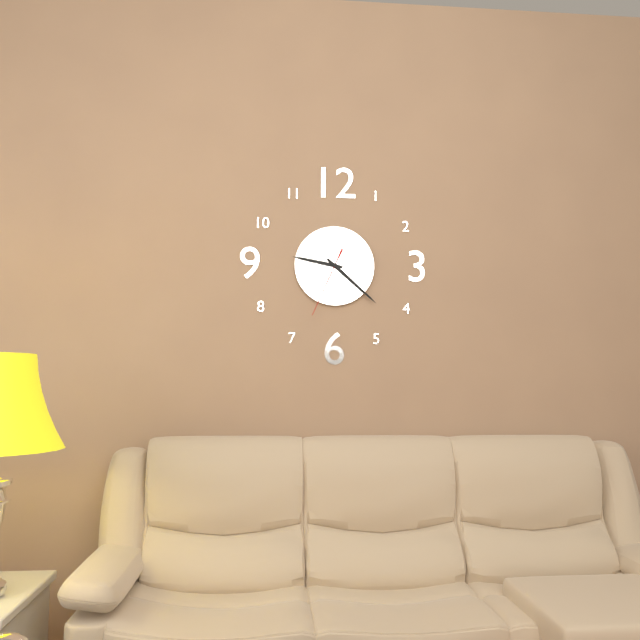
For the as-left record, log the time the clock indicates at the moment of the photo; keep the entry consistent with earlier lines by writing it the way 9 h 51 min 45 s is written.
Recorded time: 9 h 22 min 34 s
